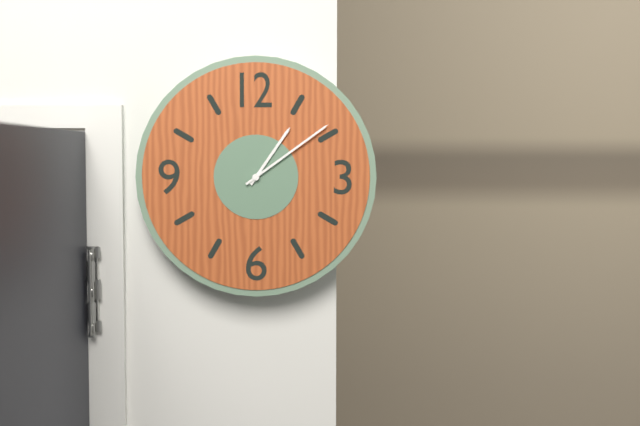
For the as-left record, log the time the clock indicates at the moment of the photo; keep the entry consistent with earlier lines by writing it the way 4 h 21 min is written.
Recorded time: 1 h 09 min
